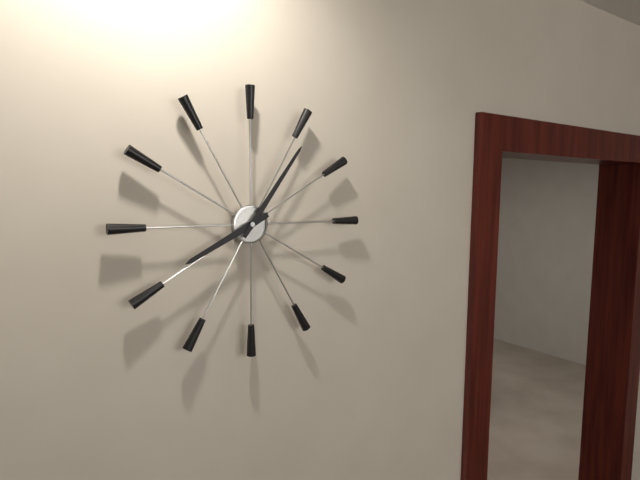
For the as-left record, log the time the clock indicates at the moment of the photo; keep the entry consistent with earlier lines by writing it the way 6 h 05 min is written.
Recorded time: 8 h 06 min
